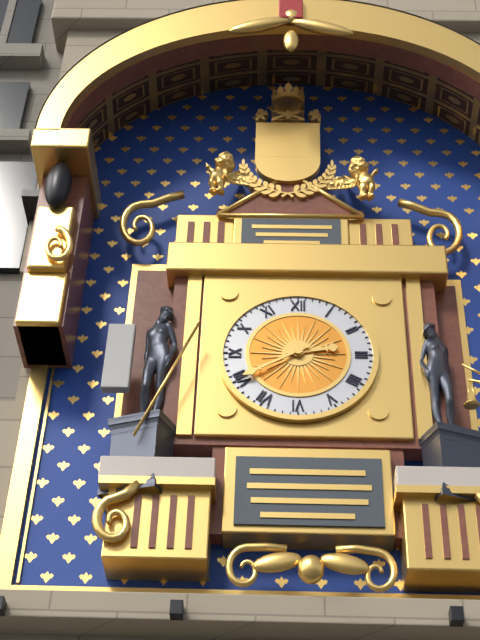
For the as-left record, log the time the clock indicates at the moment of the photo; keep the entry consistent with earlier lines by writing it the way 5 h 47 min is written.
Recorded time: 2 h 40 min
